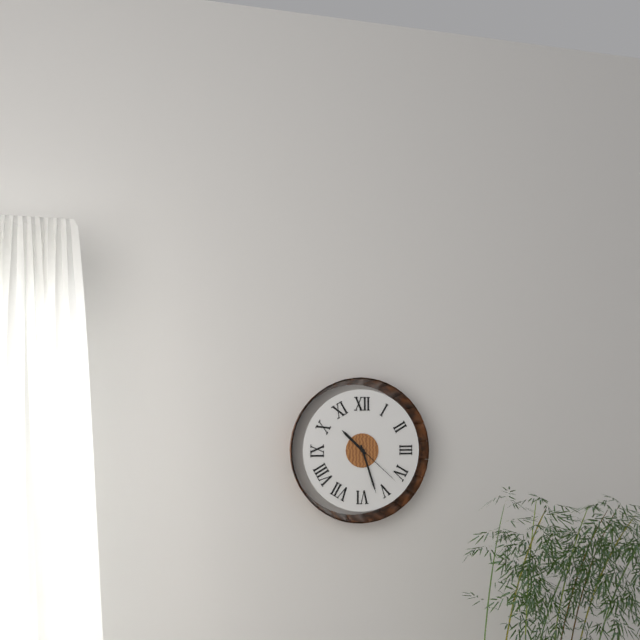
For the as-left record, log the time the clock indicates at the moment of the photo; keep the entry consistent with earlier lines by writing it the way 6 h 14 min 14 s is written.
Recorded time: 10 h 27 min 22 s
